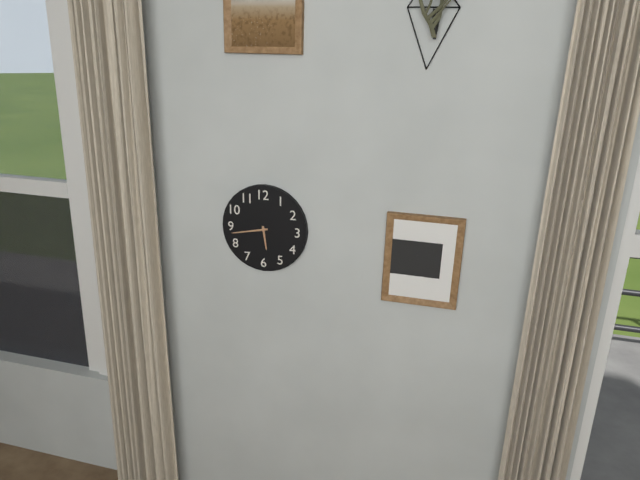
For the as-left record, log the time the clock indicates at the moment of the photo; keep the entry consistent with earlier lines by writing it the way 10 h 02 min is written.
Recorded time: 5 h 43 min
